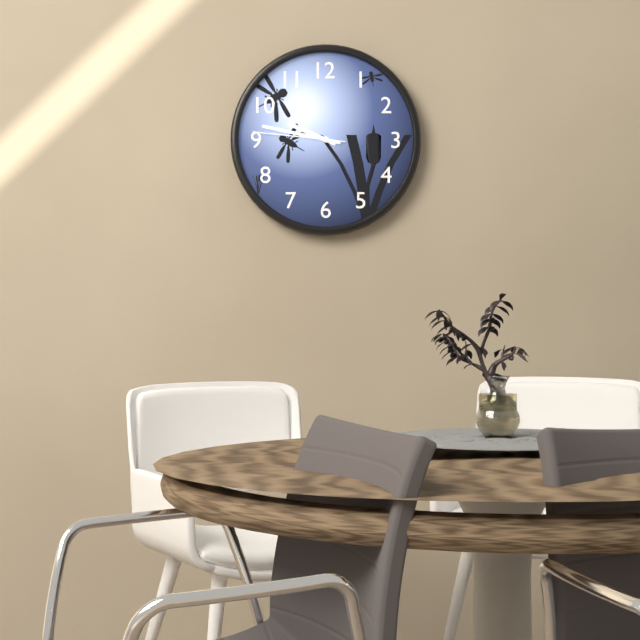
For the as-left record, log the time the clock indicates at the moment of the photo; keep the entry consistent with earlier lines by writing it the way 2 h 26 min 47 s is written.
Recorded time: 9 h 47 min 46 s
